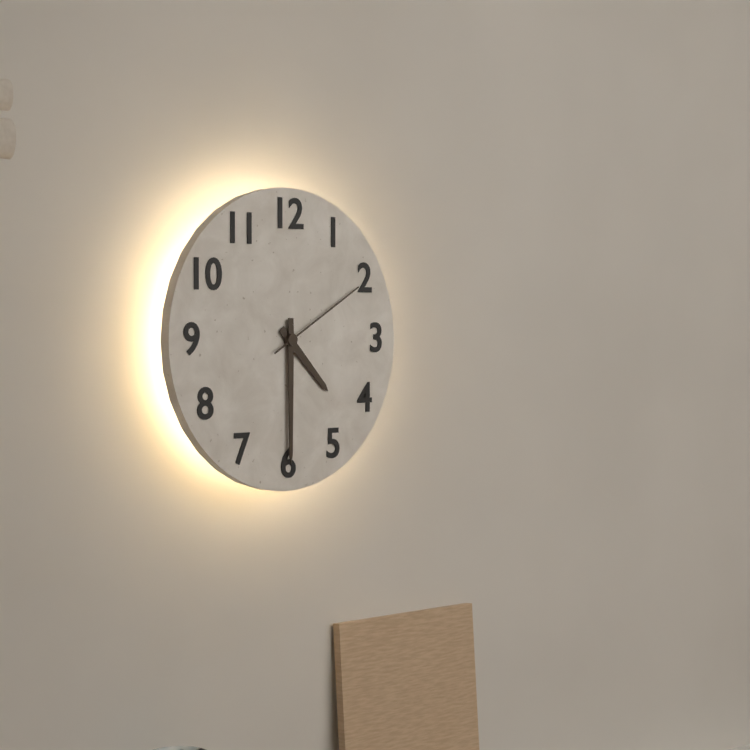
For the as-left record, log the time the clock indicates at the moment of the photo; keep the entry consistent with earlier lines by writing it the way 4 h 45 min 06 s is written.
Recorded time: 4 h 30 min 10 s
